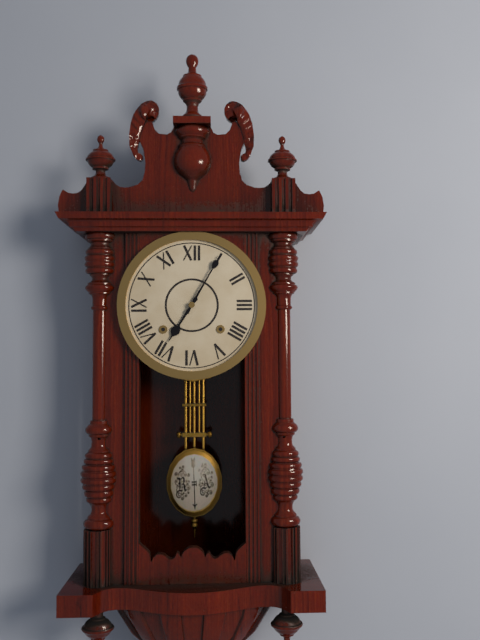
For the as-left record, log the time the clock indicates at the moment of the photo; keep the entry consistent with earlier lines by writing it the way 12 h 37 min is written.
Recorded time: 7 h 05 min
